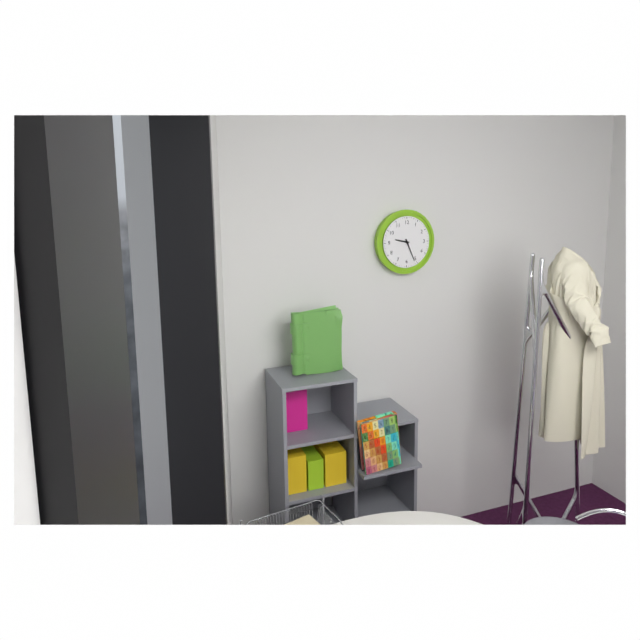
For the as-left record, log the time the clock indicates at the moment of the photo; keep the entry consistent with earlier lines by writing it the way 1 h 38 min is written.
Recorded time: 9 h 26 min
